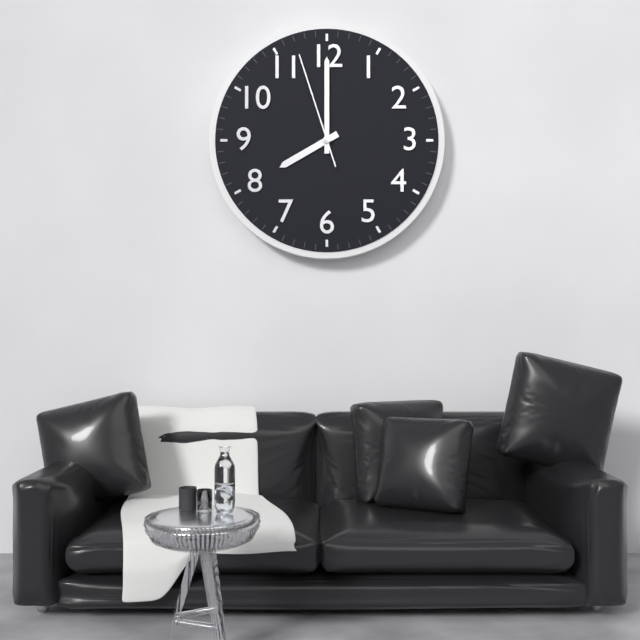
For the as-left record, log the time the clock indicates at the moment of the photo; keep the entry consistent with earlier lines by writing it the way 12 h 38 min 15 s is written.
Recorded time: 8 h 00 min 57 s
